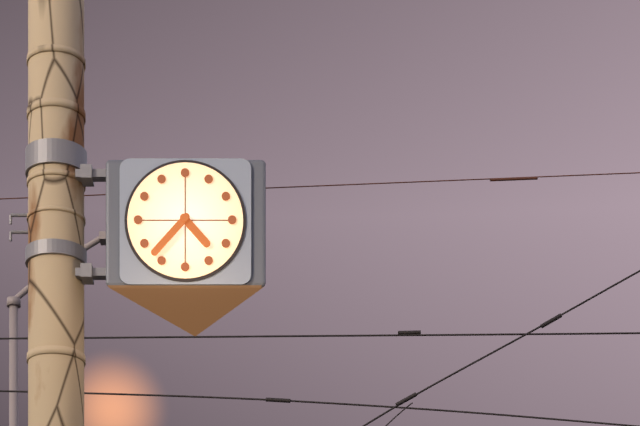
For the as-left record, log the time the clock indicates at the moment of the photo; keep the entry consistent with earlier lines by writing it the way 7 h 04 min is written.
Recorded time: 4 h 37 min
